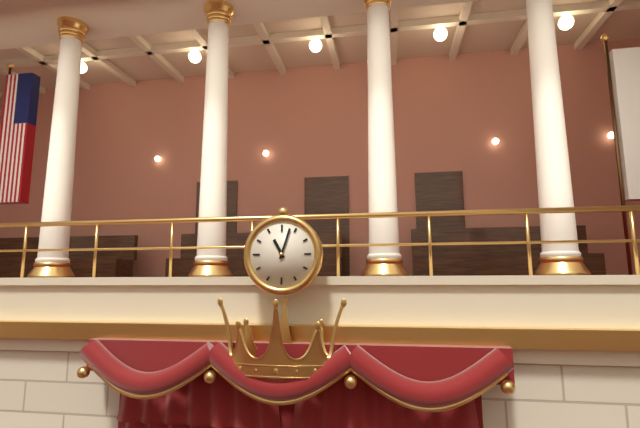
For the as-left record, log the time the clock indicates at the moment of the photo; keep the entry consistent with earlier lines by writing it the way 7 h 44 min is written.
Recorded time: 11 h 03 min
